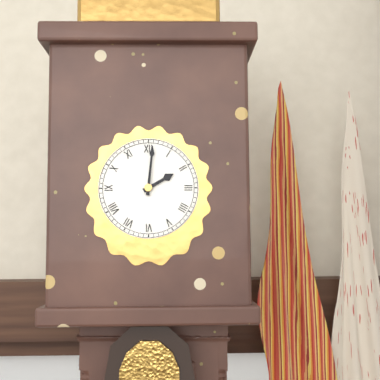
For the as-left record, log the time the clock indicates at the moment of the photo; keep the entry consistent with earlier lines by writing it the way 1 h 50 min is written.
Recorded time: 2 h 01 min
